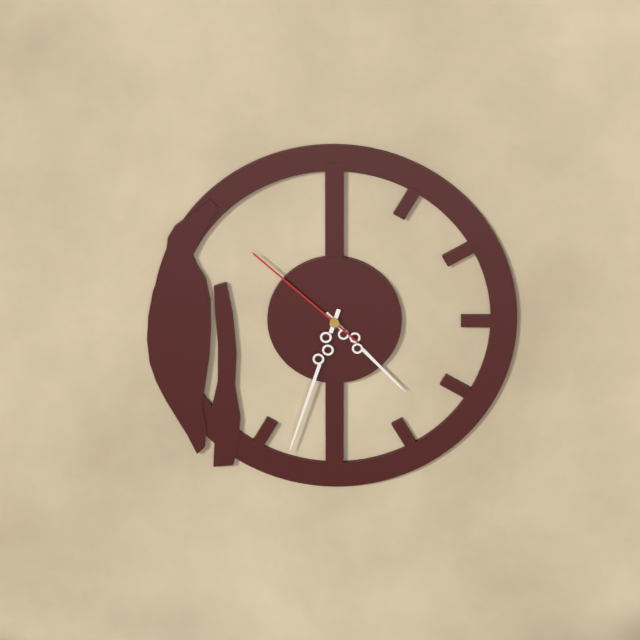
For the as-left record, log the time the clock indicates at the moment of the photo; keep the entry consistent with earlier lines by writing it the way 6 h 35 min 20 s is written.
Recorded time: 4 h 33 min 52 s
